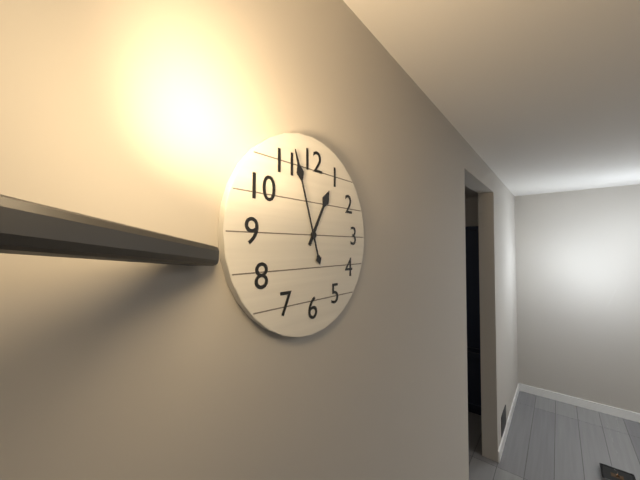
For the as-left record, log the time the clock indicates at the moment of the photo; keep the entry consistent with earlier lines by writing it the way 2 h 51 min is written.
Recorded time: 12 h 57 min
